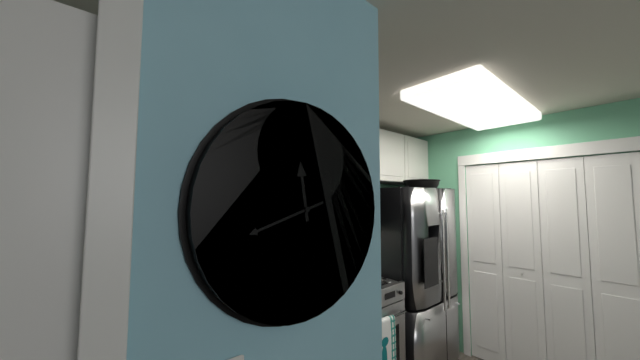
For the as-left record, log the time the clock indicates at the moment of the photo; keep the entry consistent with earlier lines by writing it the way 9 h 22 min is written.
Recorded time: 11 h 42 min
